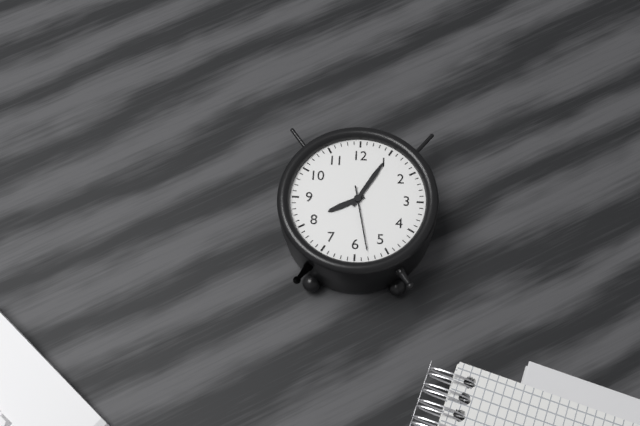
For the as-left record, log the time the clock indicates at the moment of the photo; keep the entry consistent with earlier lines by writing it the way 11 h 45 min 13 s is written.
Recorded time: 8 h 05 min 28 s
